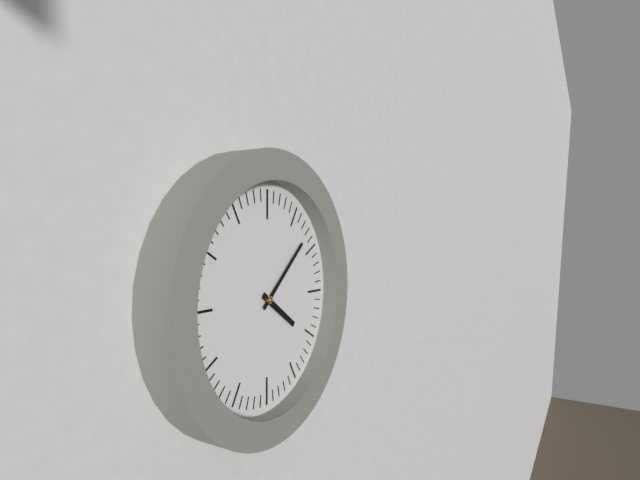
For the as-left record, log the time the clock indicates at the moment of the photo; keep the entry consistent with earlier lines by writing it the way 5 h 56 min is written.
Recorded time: 4 h 08 min
